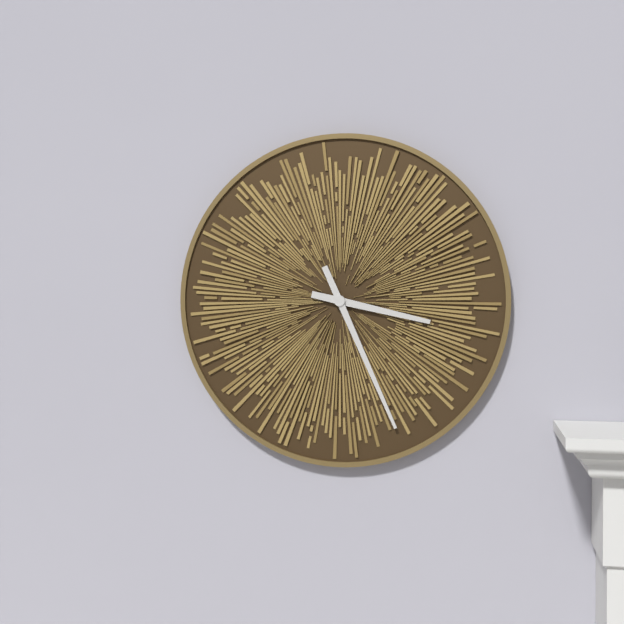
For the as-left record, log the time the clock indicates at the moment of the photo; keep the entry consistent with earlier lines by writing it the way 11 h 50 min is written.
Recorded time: 3 h 26 min
